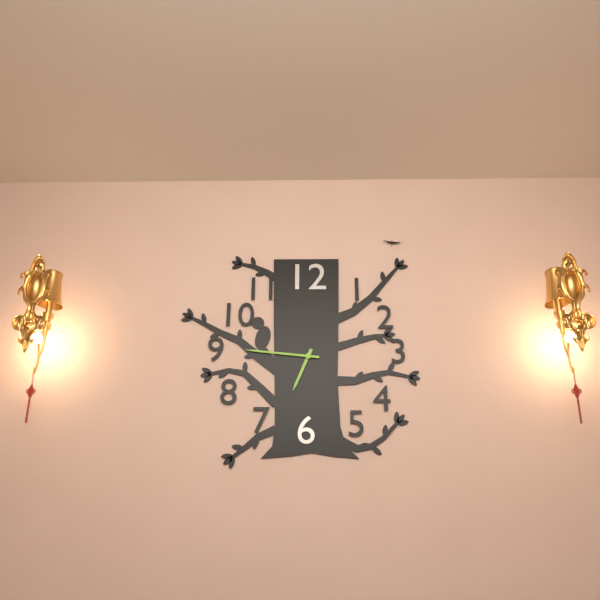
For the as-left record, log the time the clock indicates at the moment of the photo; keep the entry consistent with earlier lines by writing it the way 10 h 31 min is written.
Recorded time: 6 h 46 min
